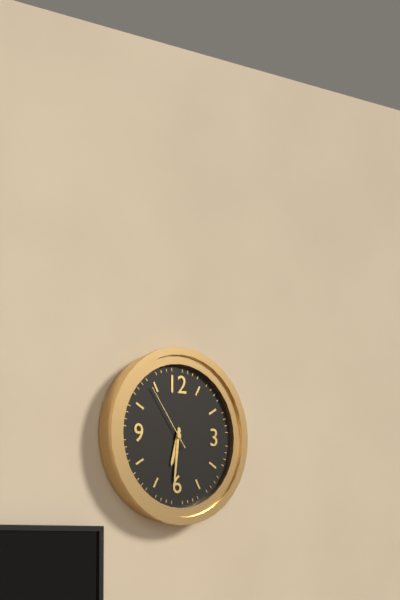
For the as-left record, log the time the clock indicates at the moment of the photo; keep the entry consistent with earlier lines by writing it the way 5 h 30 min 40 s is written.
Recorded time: 6 h 31 min 54 s
